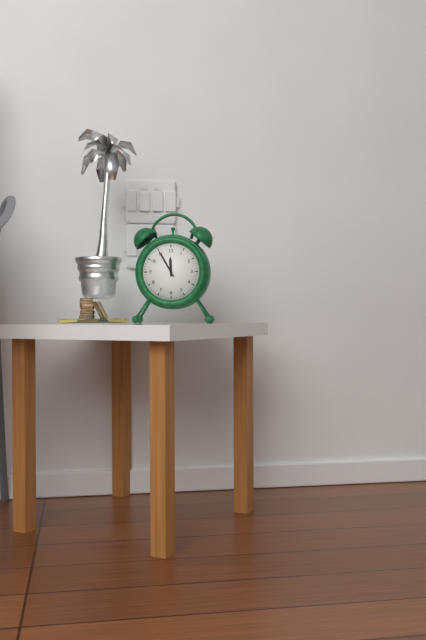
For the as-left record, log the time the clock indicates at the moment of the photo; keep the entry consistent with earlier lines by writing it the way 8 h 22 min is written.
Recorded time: 11 h 55 min
